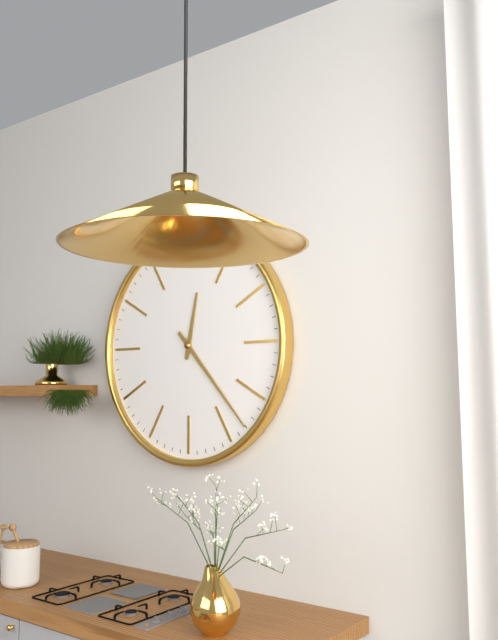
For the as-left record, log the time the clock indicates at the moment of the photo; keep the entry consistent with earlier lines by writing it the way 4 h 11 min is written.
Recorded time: 12 h 23 min
